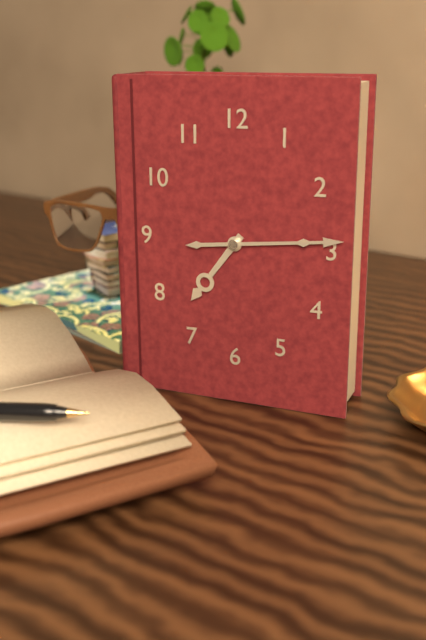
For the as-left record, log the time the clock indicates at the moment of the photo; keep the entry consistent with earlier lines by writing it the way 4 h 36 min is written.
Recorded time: 7 h 14 min
